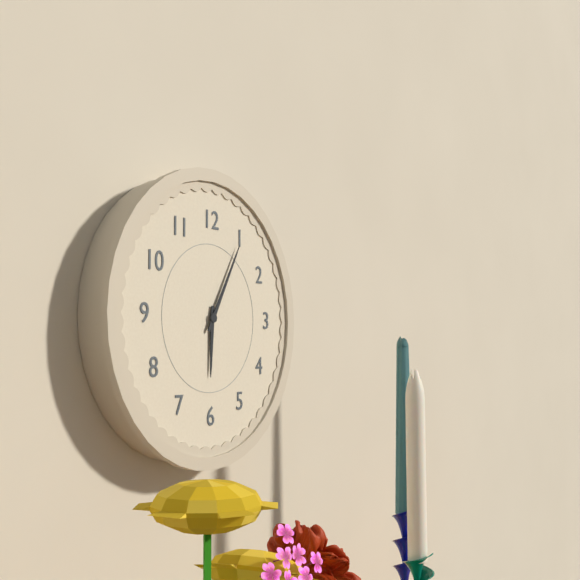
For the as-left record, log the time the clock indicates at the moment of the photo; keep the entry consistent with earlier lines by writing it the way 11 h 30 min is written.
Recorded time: 6 h 05 min
